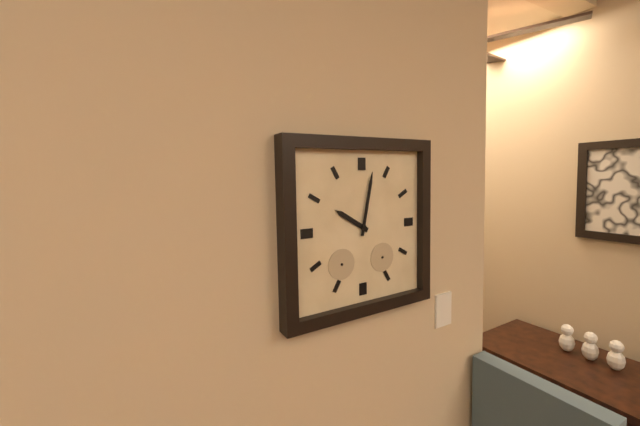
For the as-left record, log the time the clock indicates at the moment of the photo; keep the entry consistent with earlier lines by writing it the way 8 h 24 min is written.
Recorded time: 10 h 02 min
